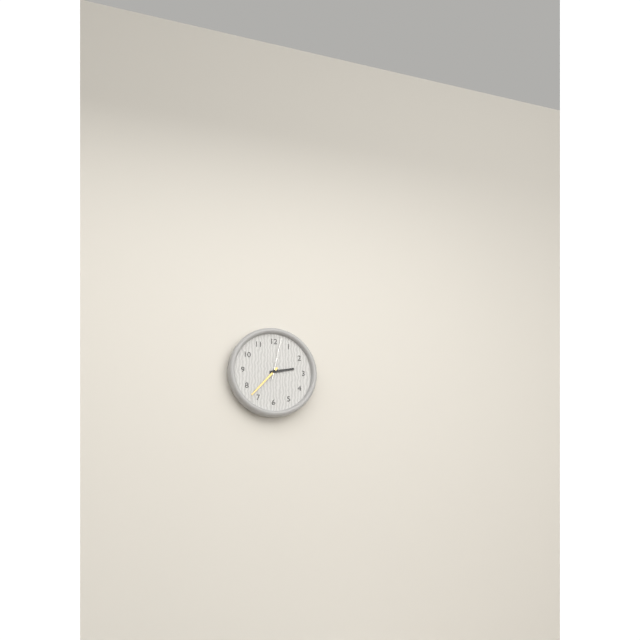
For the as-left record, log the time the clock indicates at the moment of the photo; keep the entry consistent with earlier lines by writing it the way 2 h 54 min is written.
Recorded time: 2 h 37 min
